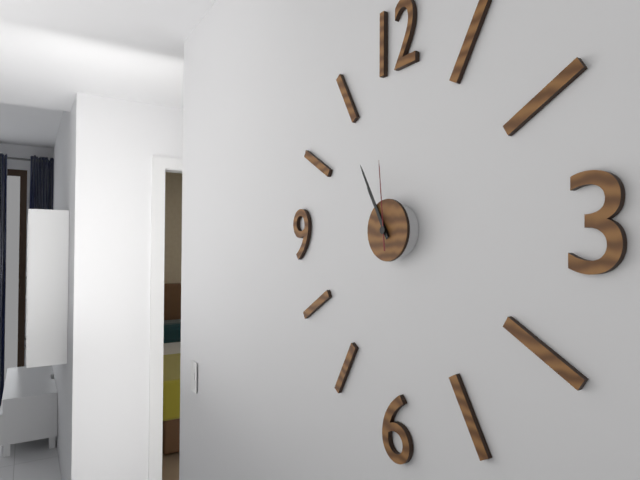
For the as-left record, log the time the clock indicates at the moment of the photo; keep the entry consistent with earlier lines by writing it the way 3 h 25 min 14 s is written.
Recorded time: 10 h 55 min 59 s
